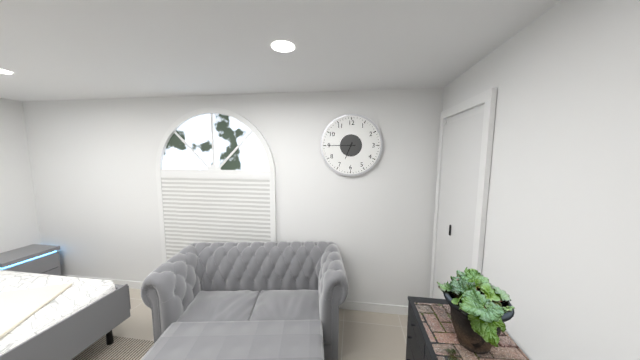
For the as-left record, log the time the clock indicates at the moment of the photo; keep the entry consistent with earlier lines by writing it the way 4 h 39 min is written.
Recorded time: 6 h 45 min
